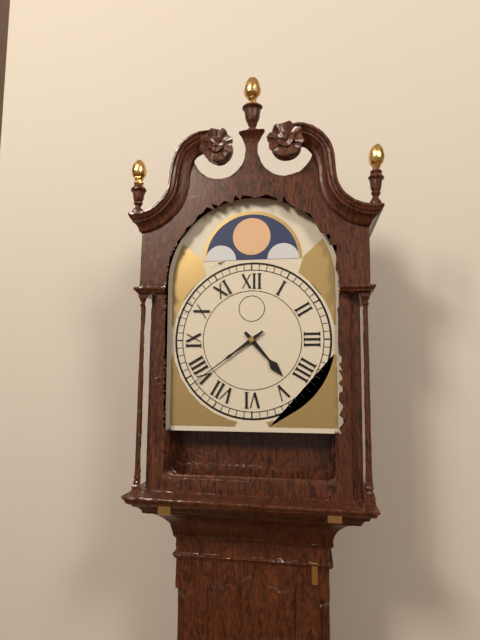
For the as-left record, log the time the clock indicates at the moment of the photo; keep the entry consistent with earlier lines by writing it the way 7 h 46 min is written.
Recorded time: 4 h 39 min
